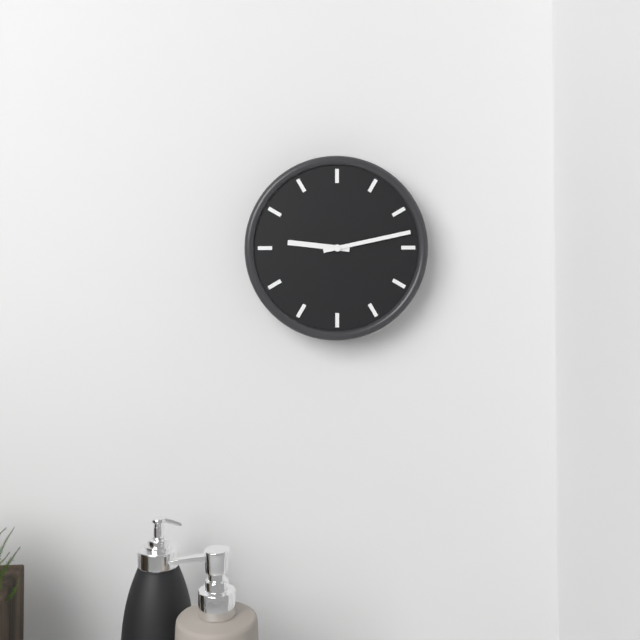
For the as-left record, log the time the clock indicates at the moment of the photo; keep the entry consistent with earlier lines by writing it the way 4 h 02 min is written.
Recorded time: 9 h 13 min
